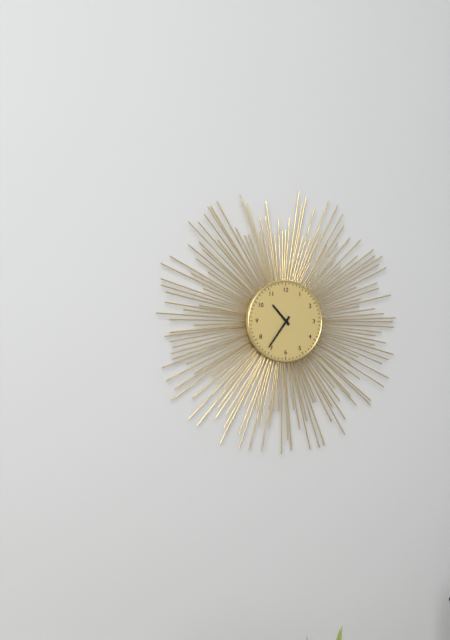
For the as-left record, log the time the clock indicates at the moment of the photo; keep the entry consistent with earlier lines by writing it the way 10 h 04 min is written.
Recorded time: 10 h 36 min
